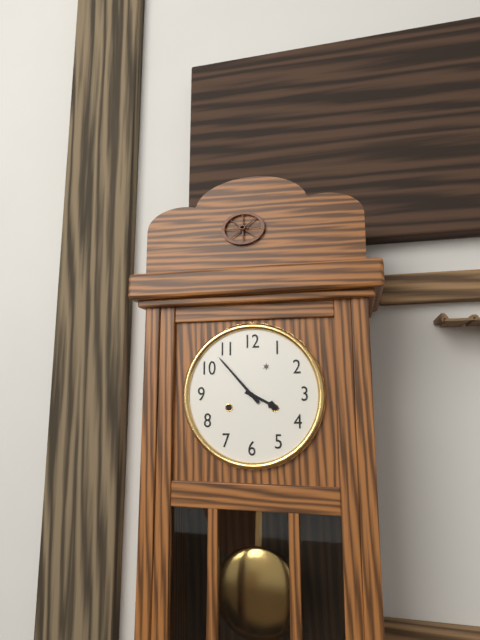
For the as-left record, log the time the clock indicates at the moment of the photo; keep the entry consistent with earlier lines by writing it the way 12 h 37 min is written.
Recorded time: 3 h 53 min
